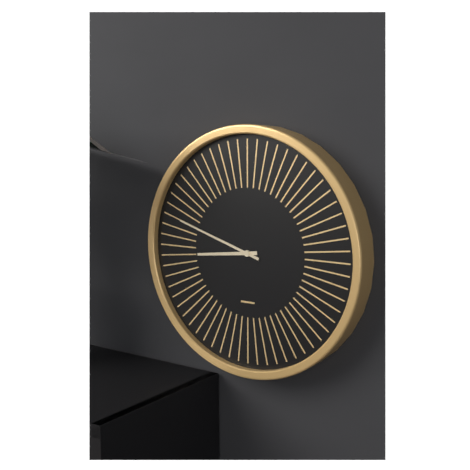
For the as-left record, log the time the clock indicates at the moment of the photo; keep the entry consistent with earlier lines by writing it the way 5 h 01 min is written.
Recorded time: 8 h 48 min
